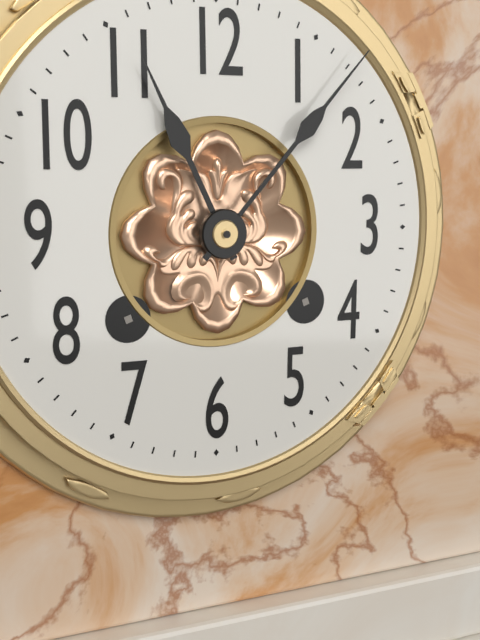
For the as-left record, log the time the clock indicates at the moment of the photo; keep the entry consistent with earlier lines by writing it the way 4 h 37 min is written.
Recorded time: 11 h 07 min
